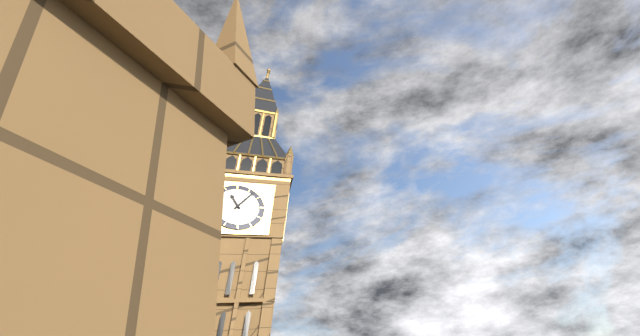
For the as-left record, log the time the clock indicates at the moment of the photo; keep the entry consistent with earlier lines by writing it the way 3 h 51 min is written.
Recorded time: 11 h 07 min
